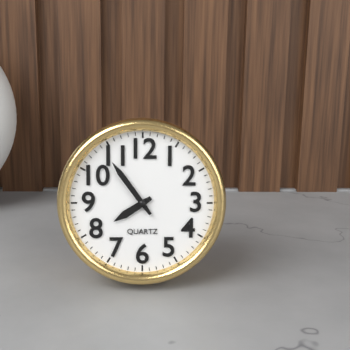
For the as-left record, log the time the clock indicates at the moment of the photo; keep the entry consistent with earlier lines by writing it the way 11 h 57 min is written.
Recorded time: 7 h 54 min
